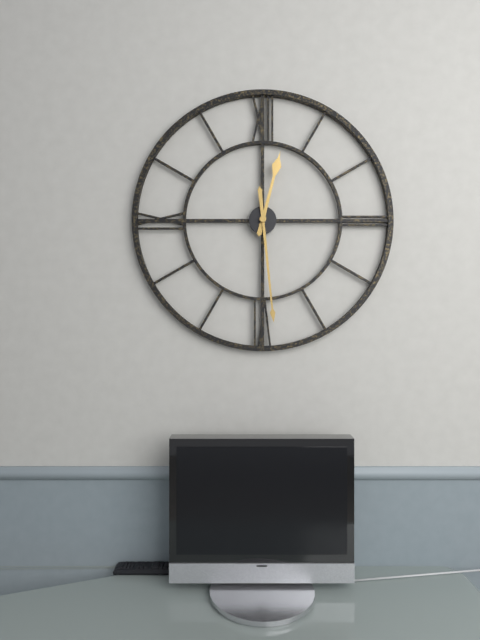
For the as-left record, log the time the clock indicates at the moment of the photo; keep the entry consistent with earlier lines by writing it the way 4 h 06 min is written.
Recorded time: 12 h 29 min
